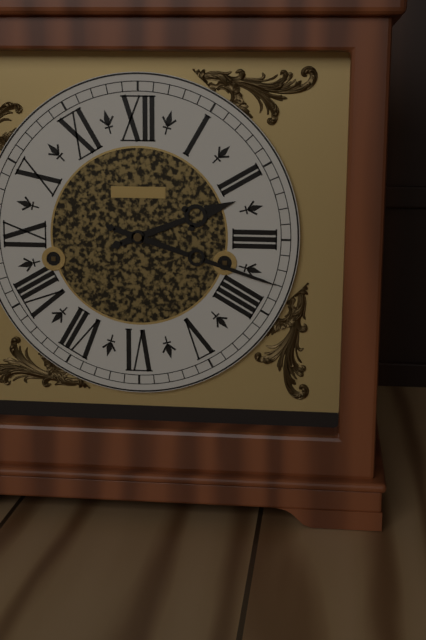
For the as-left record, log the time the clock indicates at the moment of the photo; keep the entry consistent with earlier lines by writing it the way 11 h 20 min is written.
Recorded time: 2 h 18 min
